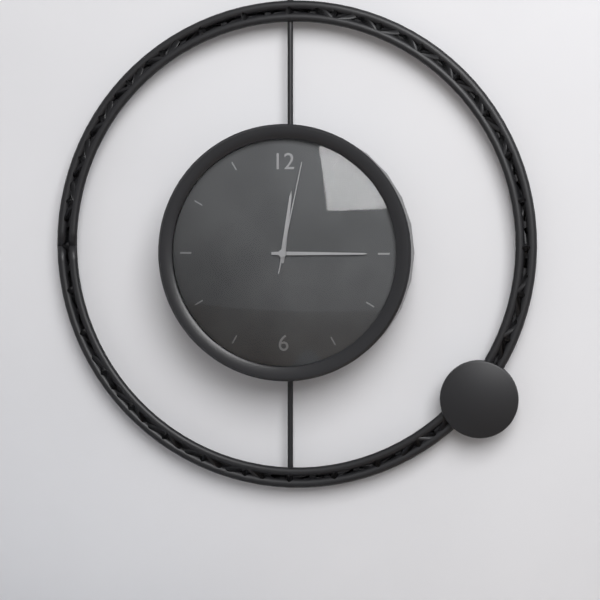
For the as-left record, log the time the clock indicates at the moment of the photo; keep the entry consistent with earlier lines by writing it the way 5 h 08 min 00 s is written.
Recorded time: 12 h 15 min 02 s
